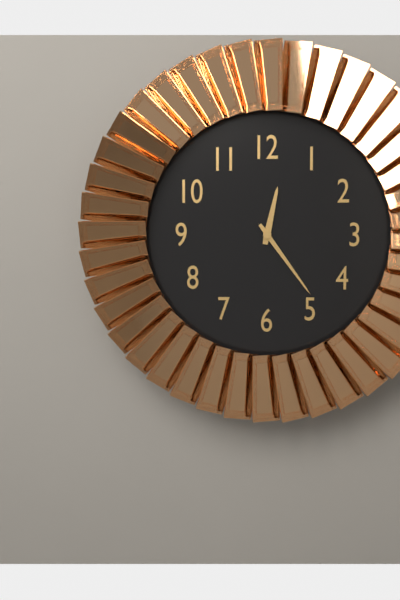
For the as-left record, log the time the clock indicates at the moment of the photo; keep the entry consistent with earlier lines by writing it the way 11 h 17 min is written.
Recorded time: 12 h 24 min
